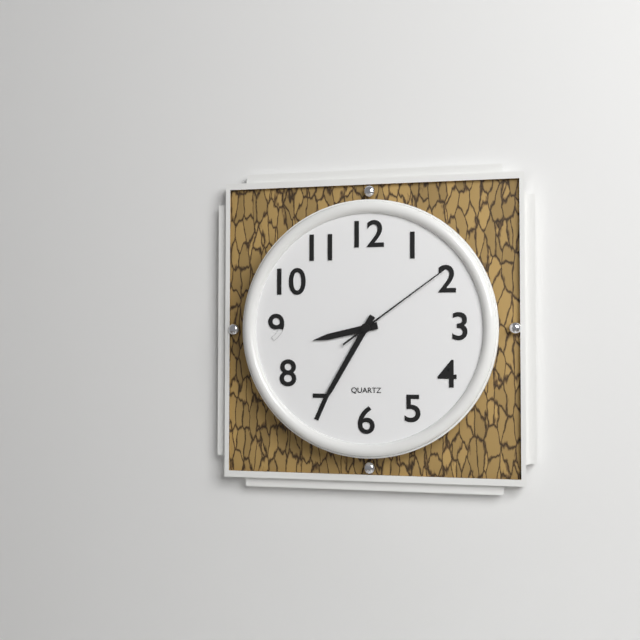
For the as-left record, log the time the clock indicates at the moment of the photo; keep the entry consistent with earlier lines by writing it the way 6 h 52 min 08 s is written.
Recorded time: 8 h 35 min 09 s
